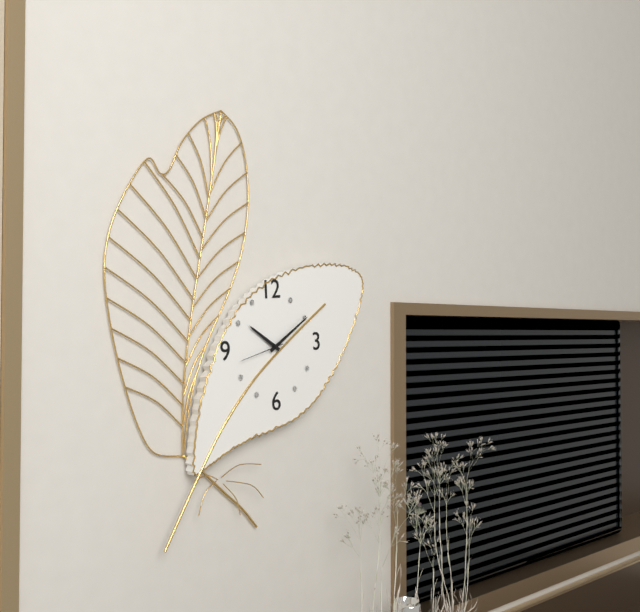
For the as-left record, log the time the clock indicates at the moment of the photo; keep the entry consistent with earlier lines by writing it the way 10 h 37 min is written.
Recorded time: 10 h 10 min
